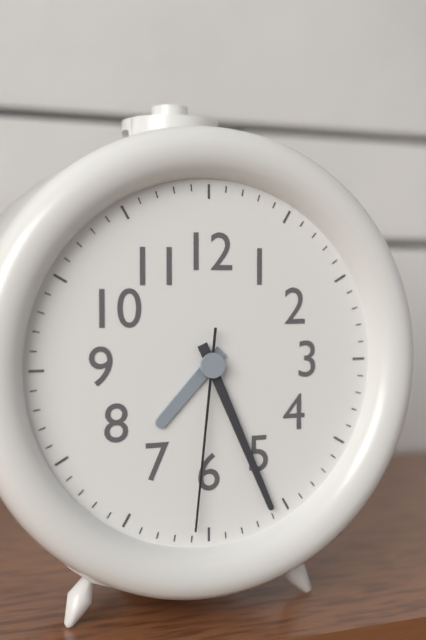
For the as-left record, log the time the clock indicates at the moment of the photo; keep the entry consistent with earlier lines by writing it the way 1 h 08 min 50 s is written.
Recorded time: 7 h 26 min 31 s
